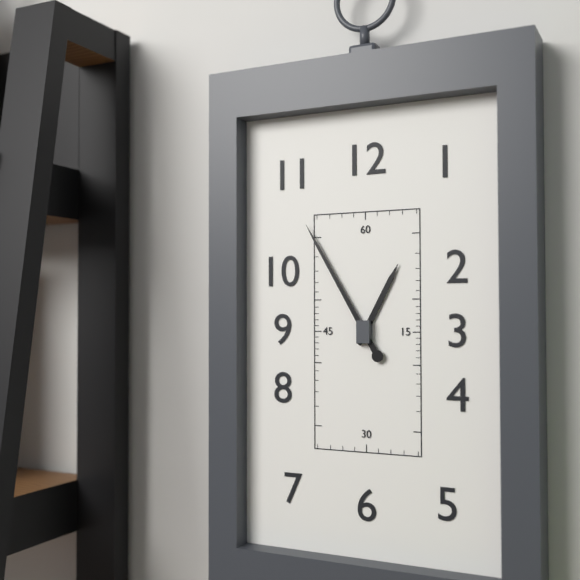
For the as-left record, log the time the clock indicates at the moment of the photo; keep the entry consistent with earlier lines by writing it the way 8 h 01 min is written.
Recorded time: 12 h 55 min
